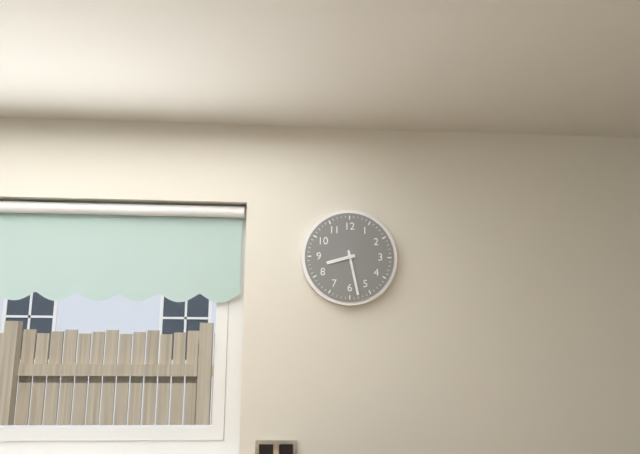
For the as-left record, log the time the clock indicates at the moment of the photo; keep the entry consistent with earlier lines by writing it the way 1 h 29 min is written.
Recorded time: 8 h 28 min
